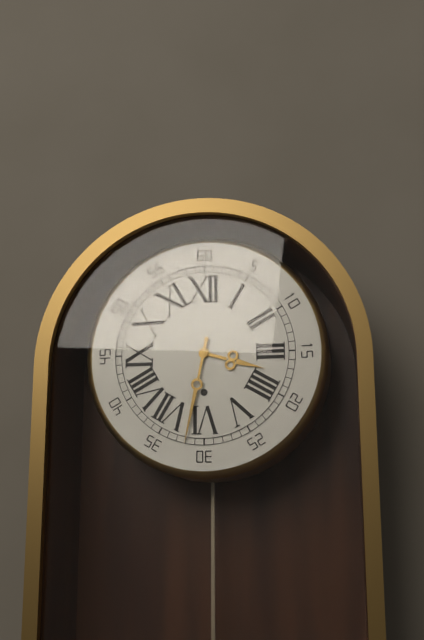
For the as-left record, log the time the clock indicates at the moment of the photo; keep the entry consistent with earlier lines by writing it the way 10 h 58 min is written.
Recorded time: 3 h 32 min
